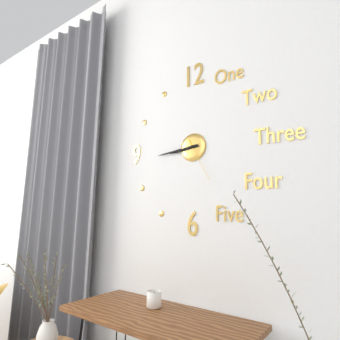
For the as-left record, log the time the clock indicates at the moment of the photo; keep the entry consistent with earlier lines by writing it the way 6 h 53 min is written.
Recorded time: 8 h 44 min
